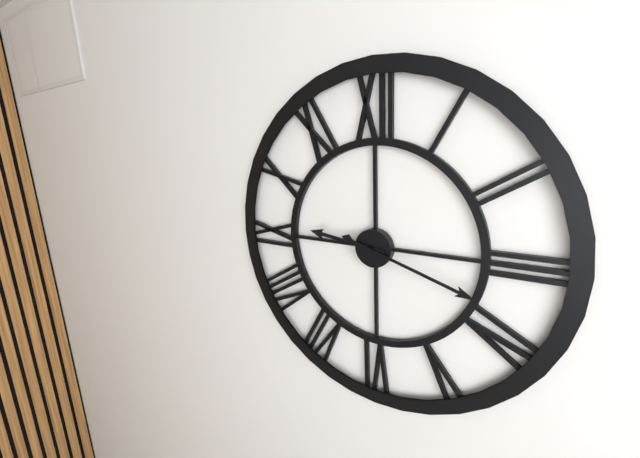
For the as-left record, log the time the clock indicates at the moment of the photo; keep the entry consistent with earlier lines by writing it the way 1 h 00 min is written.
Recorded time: 9 h 18 min
